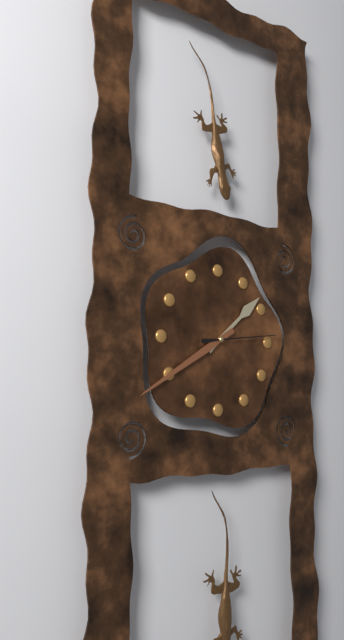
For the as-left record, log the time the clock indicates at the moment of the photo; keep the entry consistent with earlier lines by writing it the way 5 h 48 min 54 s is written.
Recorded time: 1 h 40 min 14 s
